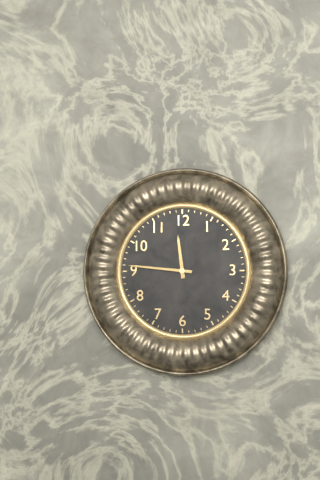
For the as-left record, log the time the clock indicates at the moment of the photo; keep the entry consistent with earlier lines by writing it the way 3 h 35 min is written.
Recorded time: 11 h 46 min
